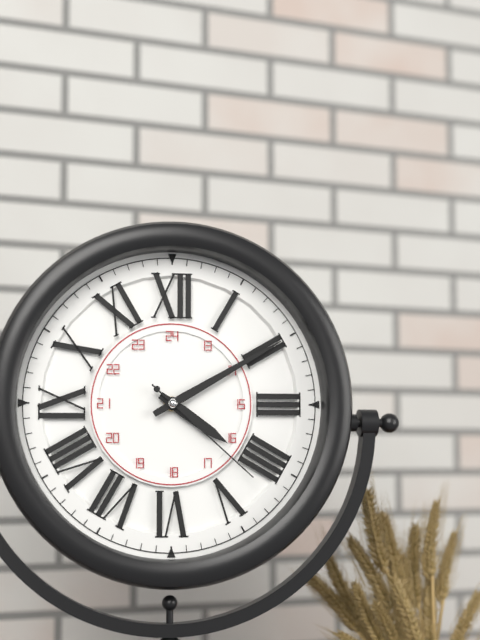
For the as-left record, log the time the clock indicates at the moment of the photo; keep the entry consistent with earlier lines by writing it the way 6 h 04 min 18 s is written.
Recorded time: 4 h 10 min 22 s
